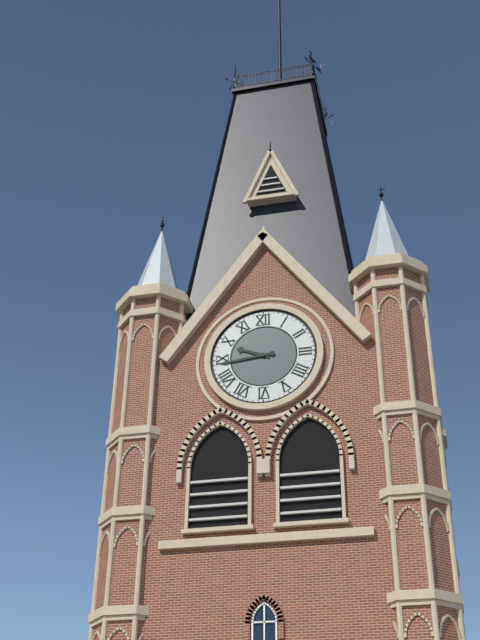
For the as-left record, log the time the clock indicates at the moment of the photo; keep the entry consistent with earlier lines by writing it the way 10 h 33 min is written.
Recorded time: 9 h 44 min
